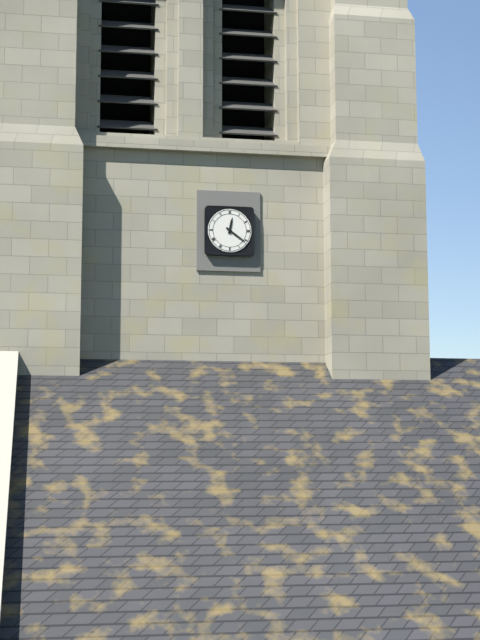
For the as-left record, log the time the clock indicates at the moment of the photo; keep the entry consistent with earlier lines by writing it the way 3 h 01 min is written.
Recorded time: 12 h 21 min
